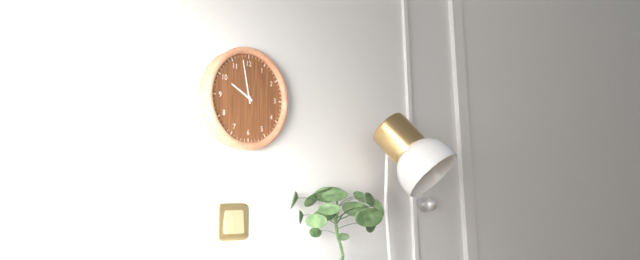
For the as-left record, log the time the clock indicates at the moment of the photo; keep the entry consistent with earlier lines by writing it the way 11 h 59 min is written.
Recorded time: 9 h 58 min
